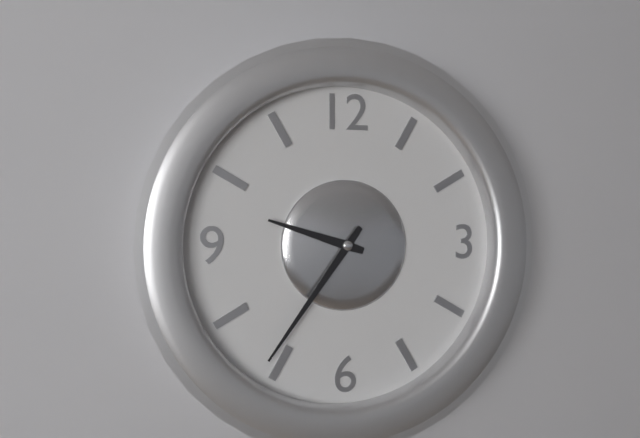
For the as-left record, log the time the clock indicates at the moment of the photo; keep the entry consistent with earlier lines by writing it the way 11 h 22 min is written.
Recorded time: 9 h 36 min
